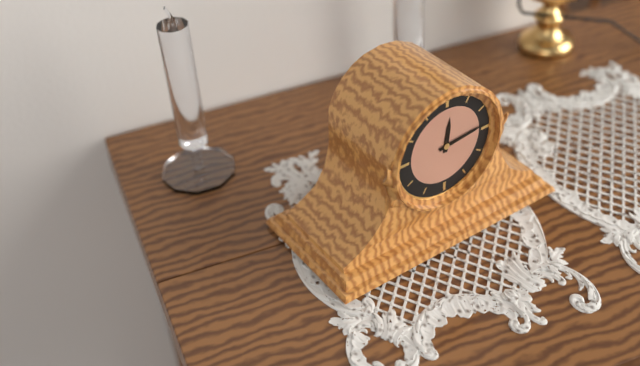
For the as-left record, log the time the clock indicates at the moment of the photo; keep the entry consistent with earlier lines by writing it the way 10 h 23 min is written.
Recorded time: 12 h 14 min
